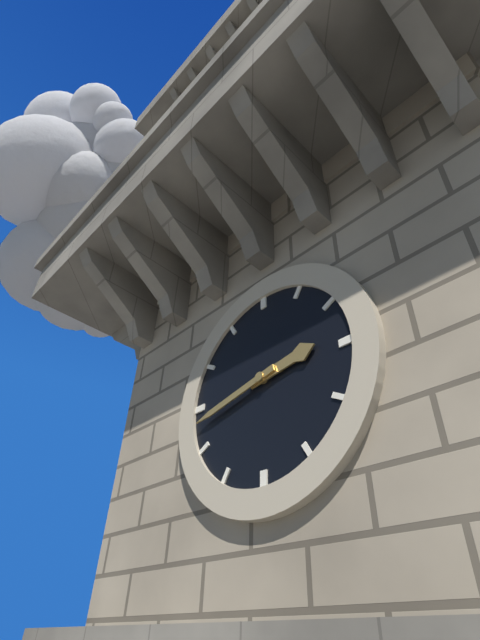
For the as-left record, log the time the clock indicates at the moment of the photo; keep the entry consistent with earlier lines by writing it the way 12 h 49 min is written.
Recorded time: 2 h 43 min
